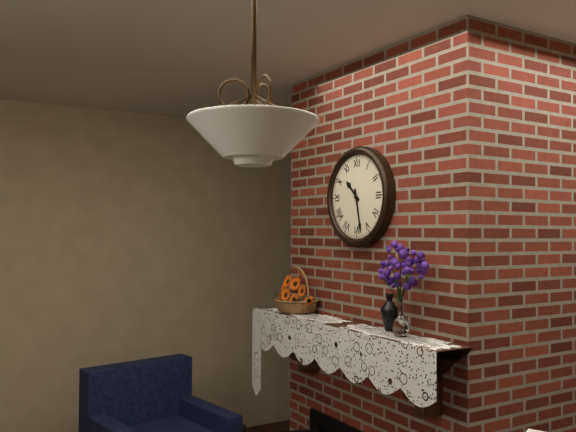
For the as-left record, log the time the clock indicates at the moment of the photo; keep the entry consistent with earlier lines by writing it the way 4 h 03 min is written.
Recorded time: 10 h 28 min
